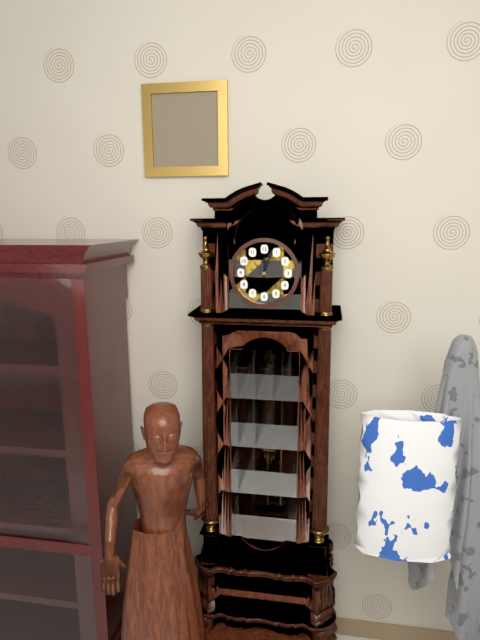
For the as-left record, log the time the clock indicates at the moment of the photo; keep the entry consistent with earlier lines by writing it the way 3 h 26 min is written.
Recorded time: 12 h 03 min
